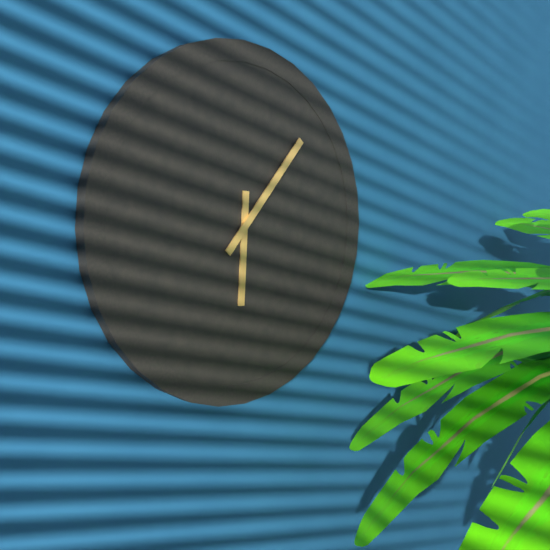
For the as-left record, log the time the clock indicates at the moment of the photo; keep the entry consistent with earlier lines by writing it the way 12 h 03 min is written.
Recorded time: 6 h 07 min
